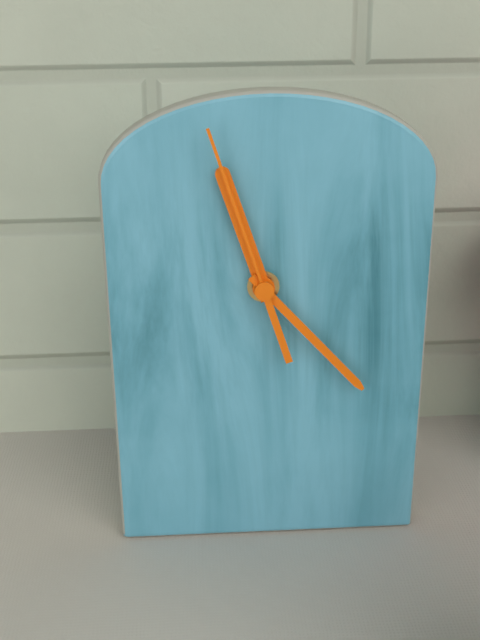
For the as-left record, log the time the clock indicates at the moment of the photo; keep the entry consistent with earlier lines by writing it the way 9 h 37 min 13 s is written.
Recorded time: 11 h 23 min 57 s
